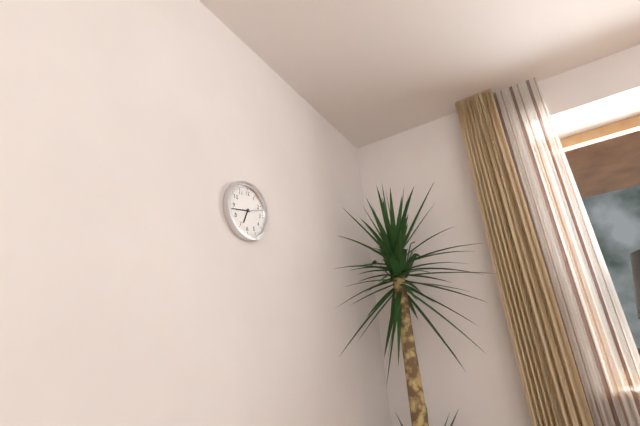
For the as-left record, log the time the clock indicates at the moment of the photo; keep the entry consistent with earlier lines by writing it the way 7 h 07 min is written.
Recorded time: 6 h 43 min
